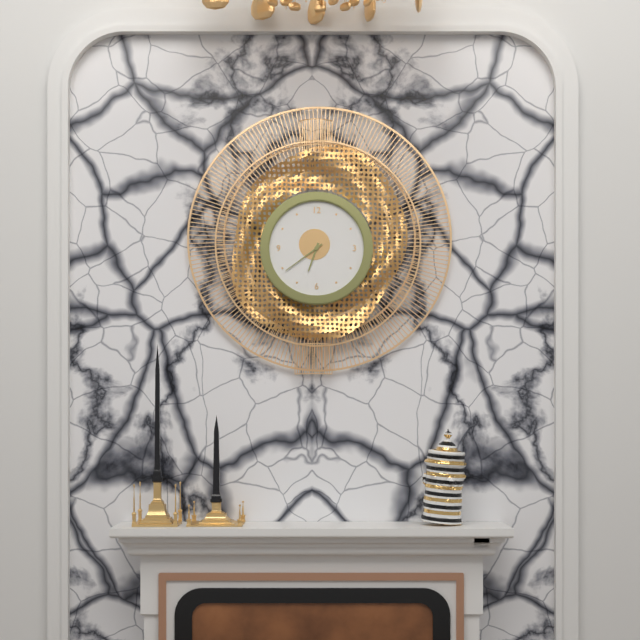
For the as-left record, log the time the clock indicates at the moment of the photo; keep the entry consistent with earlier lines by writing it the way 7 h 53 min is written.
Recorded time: 6 h 39 min
